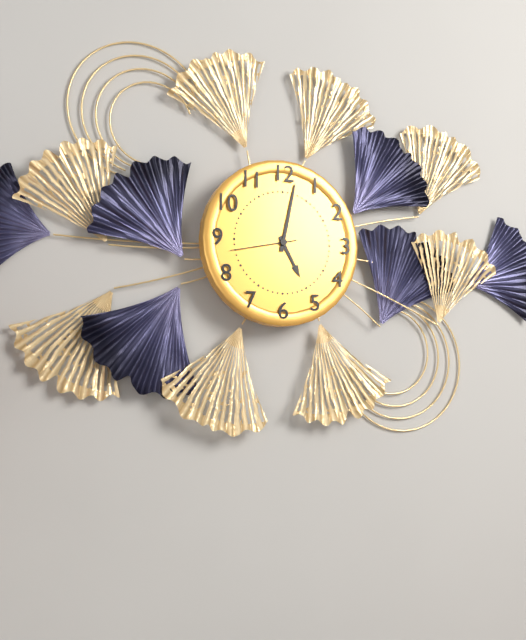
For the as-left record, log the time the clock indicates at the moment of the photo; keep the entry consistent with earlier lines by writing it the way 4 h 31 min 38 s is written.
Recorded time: 5 h 02 min 43 s
